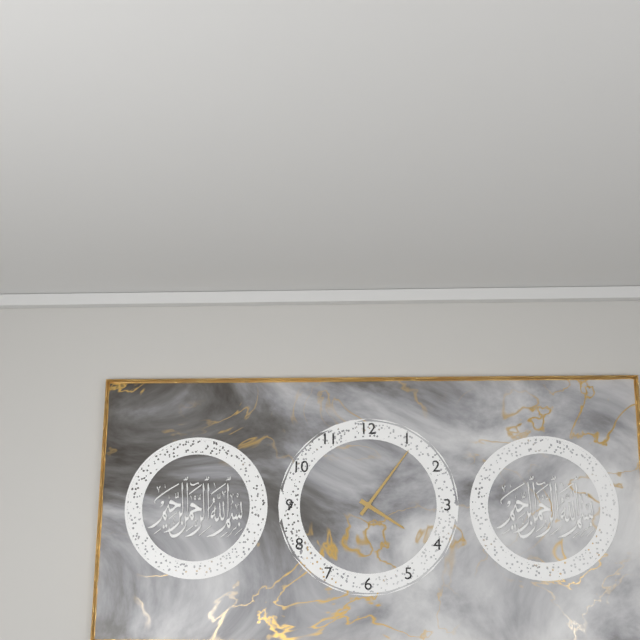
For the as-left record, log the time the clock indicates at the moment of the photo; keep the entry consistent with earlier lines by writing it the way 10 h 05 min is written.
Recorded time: 4 h 06 min
